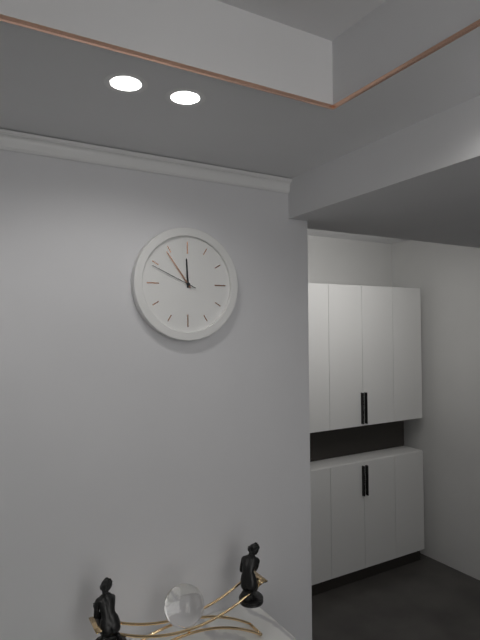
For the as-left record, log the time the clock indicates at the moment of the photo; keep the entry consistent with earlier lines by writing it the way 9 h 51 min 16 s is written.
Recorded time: 11 h 54 min 49 s
